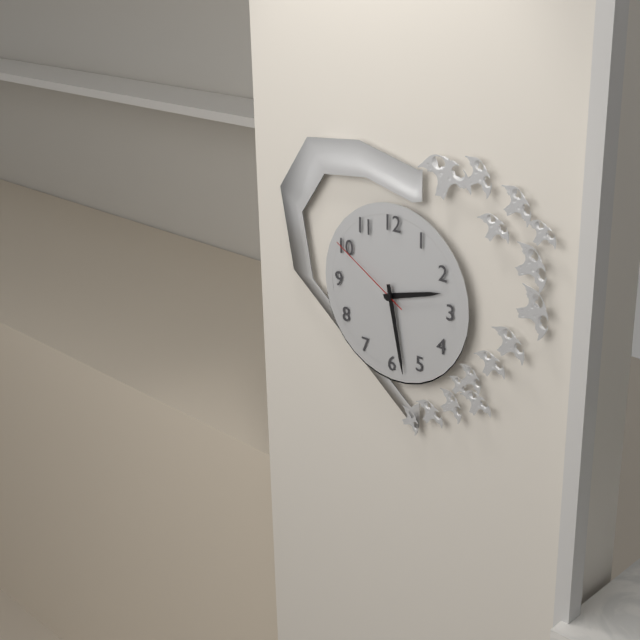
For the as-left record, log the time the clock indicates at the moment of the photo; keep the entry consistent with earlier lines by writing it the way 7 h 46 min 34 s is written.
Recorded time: 2 h 28 min 50 s
